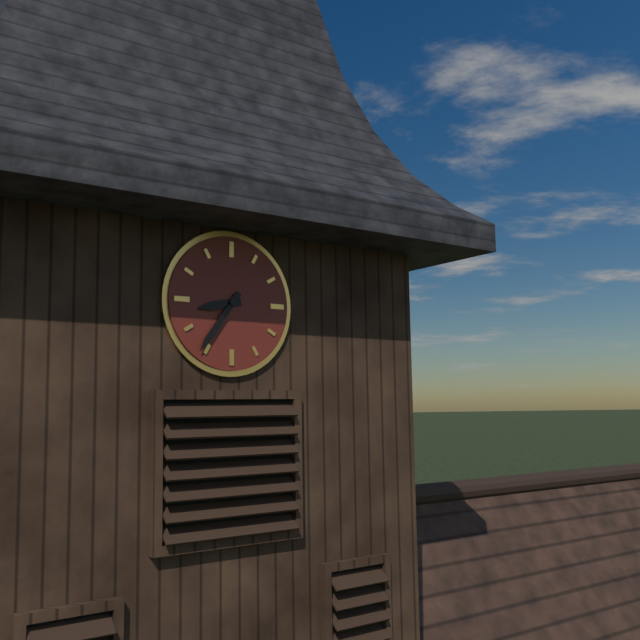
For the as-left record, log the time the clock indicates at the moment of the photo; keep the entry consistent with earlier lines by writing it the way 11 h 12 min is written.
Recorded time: 8 h 36 min
